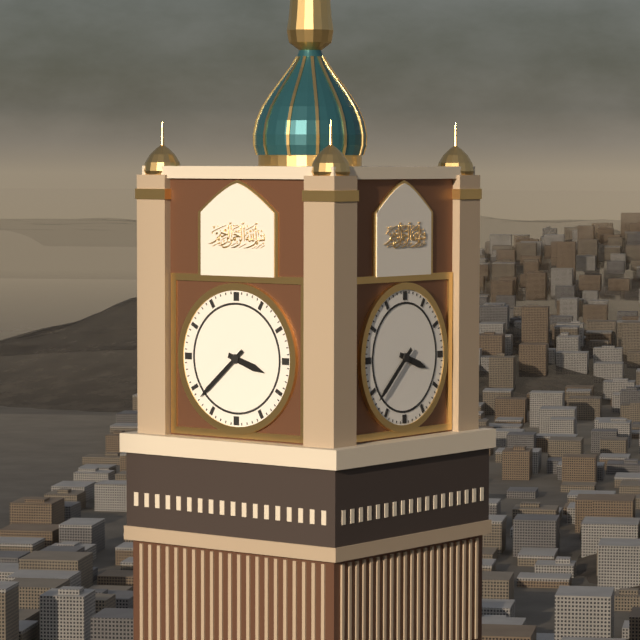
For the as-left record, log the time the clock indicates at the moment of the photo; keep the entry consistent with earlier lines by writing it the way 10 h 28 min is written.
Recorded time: 3 h 38 min
